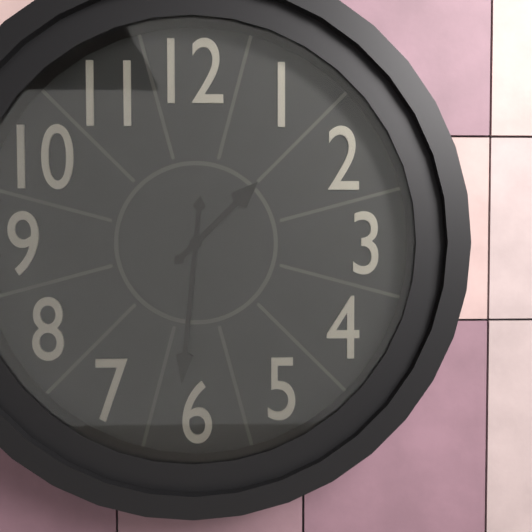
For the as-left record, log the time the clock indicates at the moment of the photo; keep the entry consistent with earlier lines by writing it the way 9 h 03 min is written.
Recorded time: 1 h 31 min
